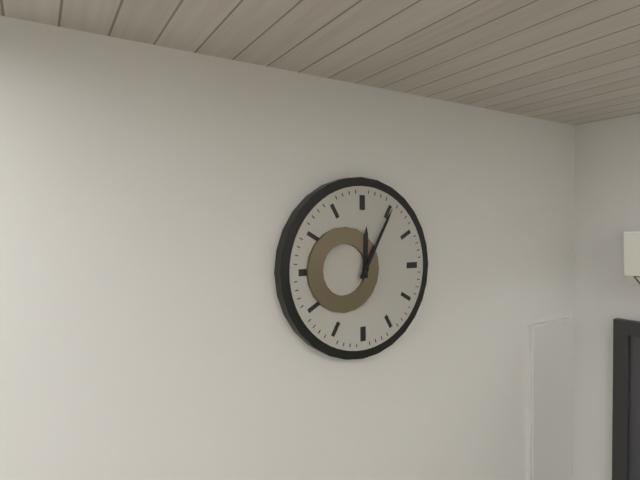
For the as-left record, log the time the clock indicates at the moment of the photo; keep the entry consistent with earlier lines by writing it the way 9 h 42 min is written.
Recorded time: 12 h 05 min
